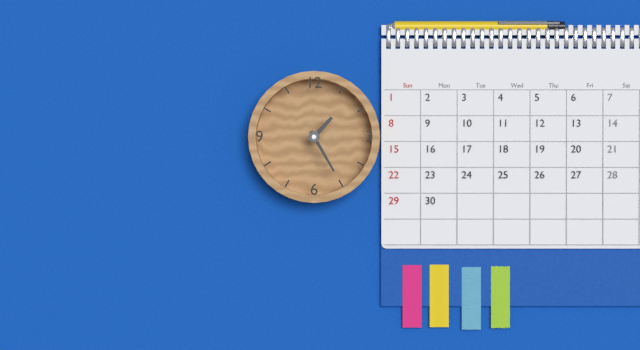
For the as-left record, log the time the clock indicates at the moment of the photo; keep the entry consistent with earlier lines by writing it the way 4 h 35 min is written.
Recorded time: 1 h 25 min
